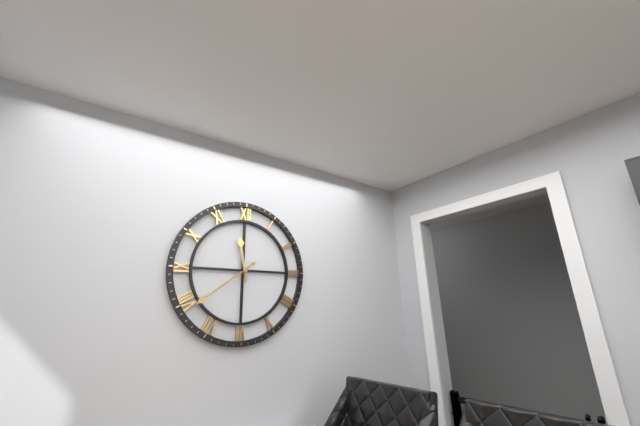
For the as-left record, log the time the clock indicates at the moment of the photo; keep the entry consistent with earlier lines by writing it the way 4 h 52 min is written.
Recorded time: 11 h 39 min
